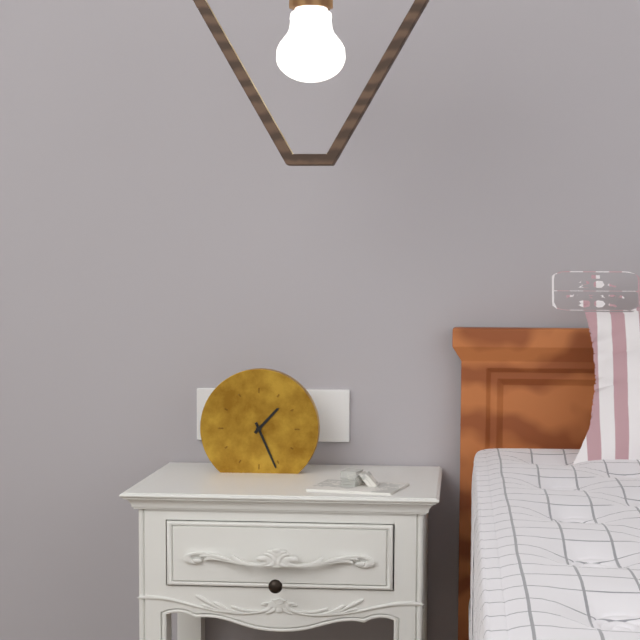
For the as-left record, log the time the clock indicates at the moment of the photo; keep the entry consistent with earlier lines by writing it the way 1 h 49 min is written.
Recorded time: 1 h 26 min
